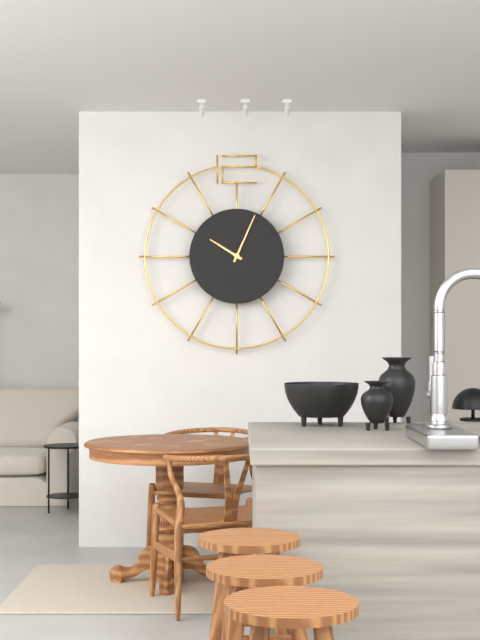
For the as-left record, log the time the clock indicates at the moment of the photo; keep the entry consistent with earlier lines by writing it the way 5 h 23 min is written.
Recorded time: 10 h 04 min
